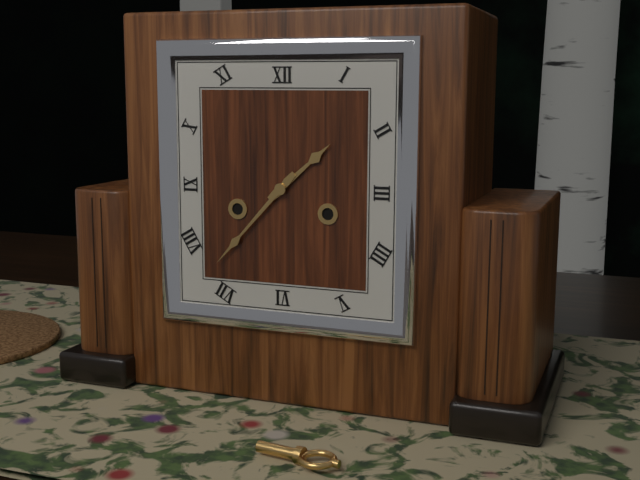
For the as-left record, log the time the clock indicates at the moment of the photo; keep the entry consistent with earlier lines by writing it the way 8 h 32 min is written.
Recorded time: 1 h 37 min
